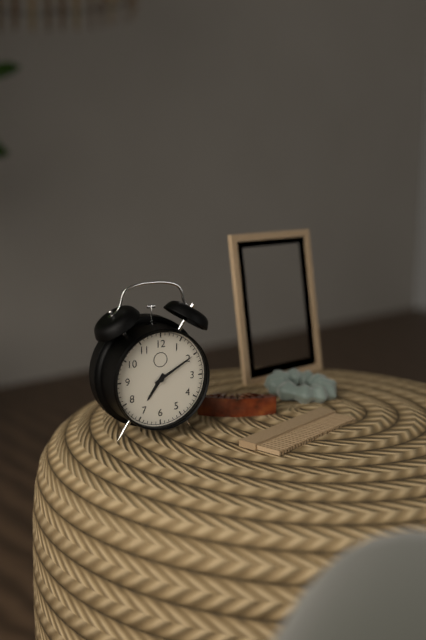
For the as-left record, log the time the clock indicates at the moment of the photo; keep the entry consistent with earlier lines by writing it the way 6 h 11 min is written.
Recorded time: 7 h 10 min
